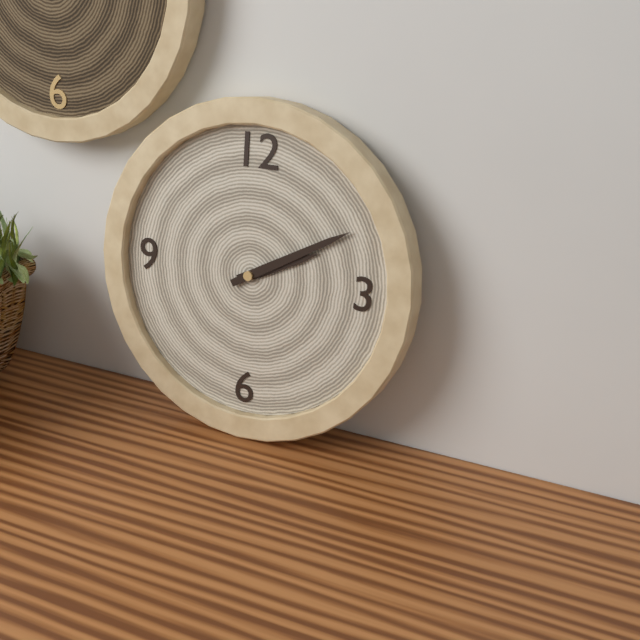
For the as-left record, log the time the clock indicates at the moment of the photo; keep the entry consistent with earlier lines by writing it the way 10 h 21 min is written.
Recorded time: 2 h 10 min
